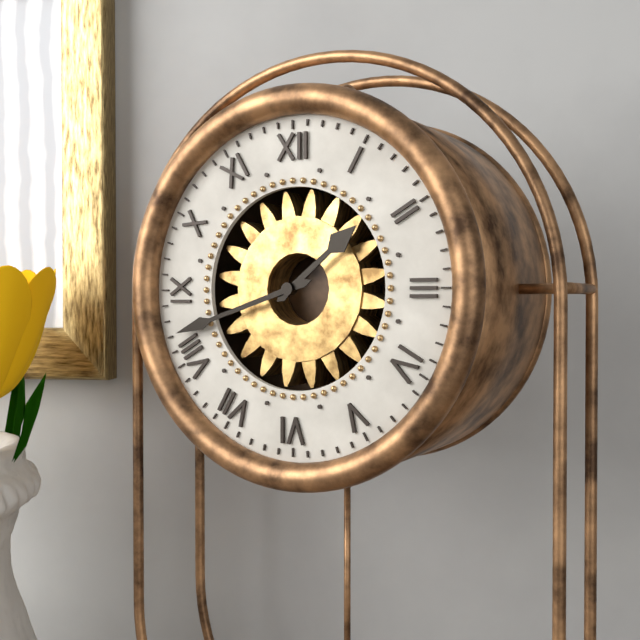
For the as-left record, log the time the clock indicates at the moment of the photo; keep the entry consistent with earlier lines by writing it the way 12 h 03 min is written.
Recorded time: 1 h 42 min
